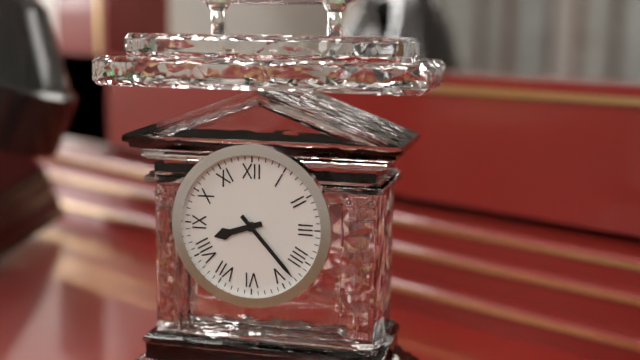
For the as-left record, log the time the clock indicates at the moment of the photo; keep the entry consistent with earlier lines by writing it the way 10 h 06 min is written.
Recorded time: 8 h 23 min
